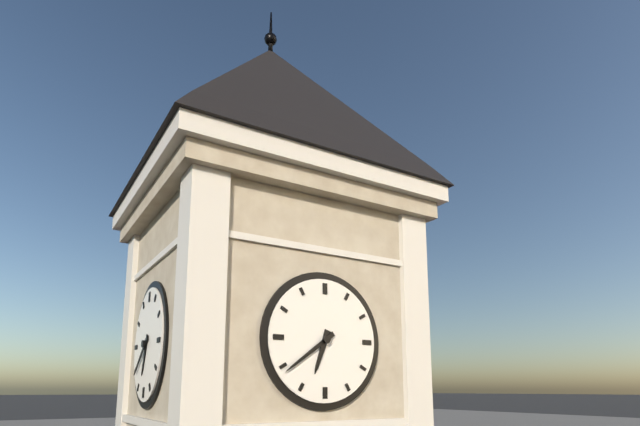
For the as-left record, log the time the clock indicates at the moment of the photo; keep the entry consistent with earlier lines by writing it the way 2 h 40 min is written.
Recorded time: 6 h 39 min
